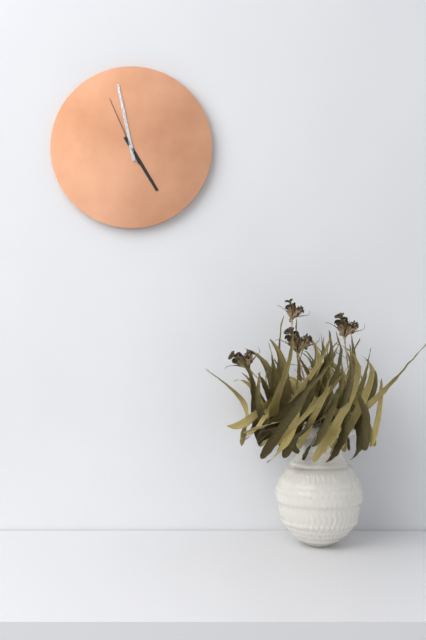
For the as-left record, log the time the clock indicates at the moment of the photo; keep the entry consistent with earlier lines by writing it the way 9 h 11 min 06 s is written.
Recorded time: 4 h 58 min 56 s
